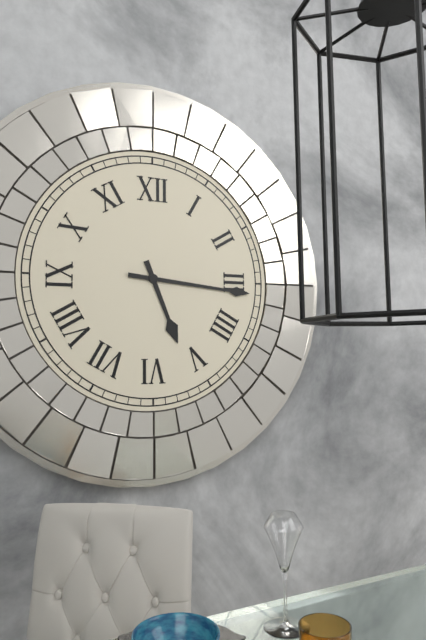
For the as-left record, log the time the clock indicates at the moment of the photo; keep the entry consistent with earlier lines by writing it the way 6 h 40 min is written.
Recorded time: 5 h 16 min
